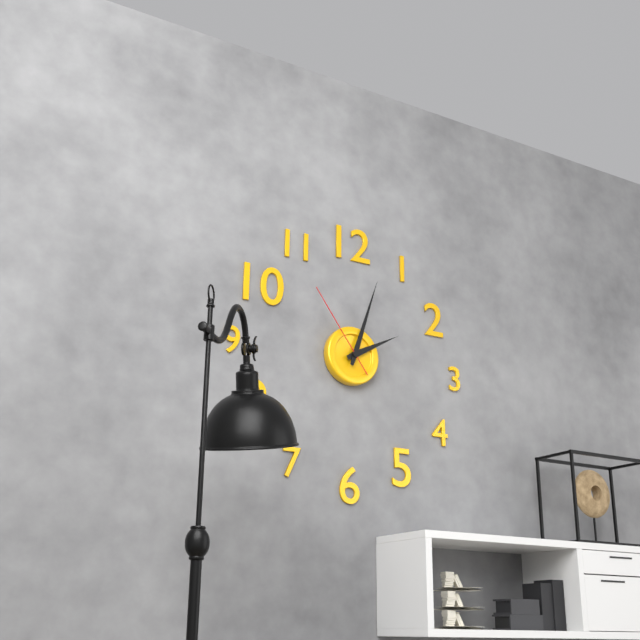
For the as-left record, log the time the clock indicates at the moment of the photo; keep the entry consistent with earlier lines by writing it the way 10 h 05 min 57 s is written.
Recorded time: 2 h 03 min 54 s
